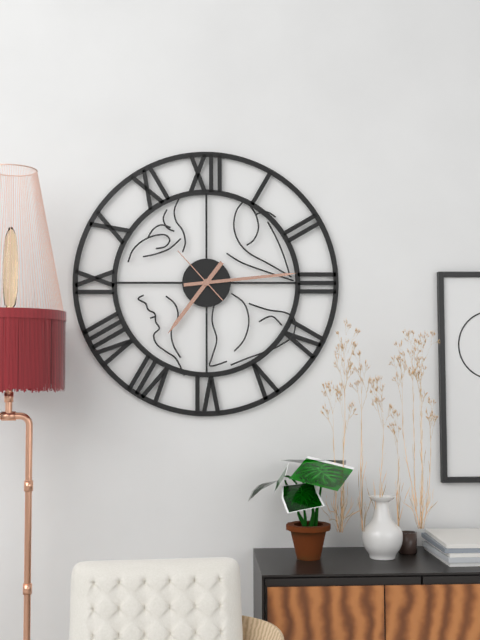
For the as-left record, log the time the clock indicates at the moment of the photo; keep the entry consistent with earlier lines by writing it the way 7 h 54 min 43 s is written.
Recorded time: 7 h 14 min 53 s
